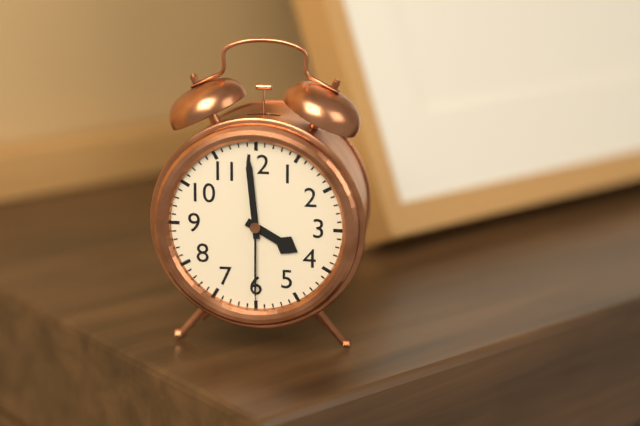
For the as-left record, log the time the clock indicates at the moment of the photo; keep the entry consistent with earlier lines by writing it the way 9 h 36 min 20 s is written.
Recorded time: 3 h 59 min 30 s
